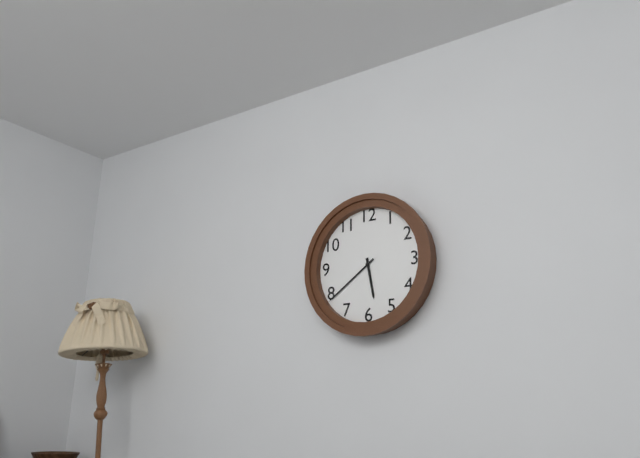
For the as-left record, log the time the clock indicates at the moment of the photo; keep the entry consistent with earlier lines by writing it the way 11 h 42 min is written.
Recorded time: 5 h 39 min
